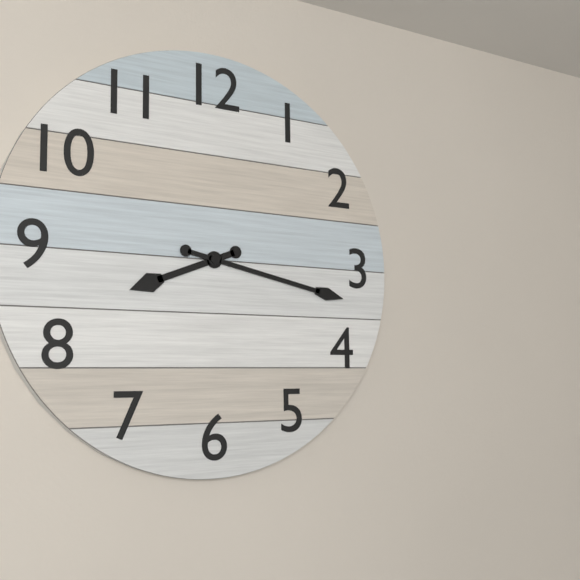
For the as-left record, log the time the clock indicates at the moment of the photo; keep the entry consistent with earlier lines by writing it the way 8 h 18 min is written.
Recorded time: 8 h 17 min
